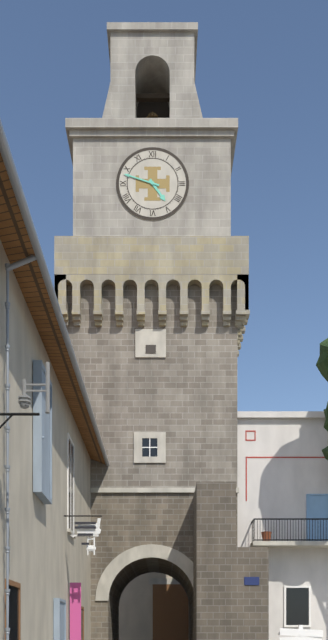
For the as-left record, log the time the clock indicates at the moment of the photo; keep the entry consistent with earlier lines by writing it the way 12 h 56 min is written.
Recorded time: 4 h 48 min
